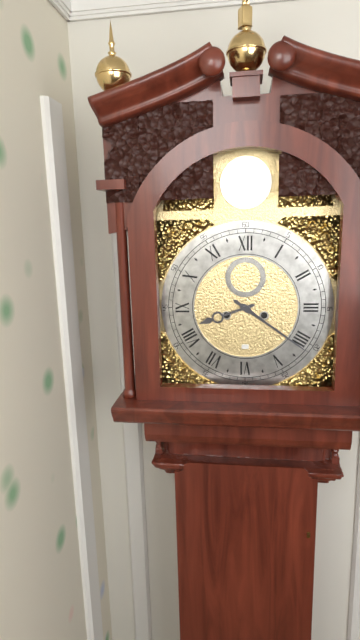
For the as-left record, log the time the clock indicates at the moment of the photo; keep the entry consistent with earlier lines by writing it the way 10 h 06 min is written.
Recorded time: 8 h 21 min
